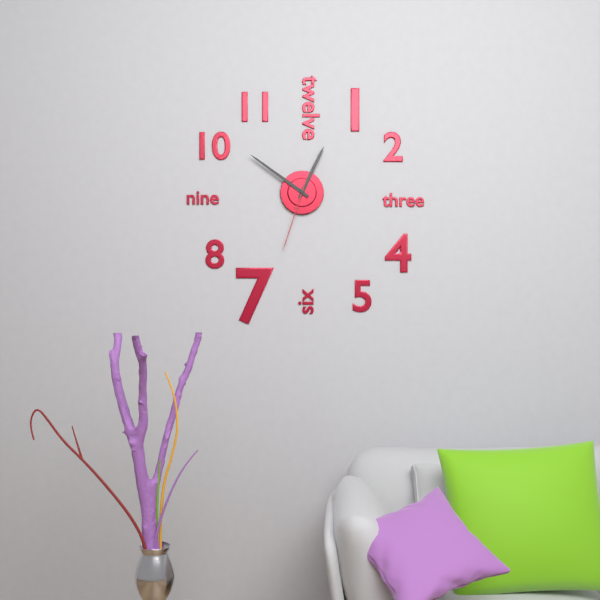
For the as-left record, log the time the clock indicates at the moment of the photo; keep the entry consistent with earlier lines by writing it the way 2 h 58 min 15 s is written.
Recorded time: 12 h 51 min 33 s
